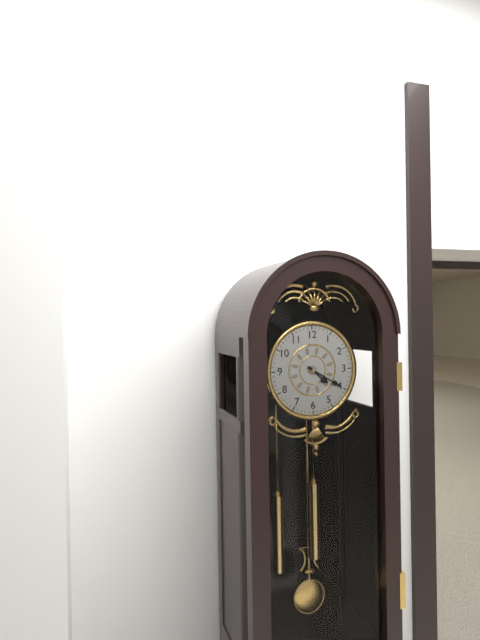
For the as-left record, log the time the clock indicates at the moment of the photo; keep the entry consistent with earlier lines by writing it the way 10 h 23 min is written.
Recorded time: 4 h 20 min
